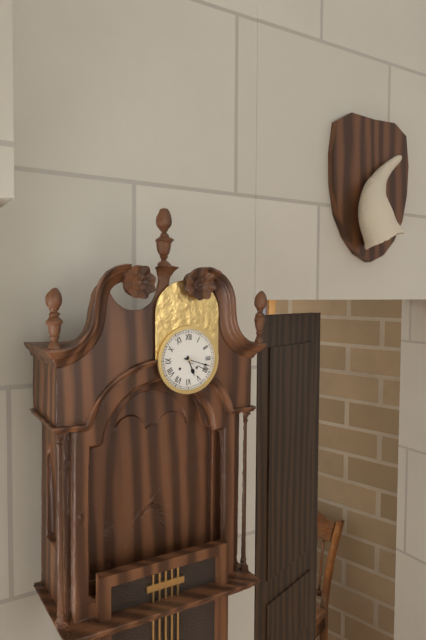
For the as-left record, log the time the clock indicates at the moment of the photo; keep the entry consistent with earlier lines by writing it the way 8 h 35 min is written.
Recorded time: 5 h 18 min
